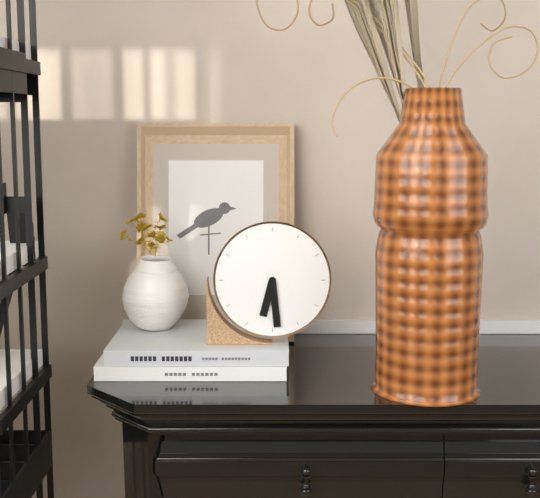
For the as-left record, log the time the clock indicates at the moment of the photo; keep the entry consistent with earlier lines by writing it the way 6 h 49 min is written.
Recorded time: 6 h 29 min
